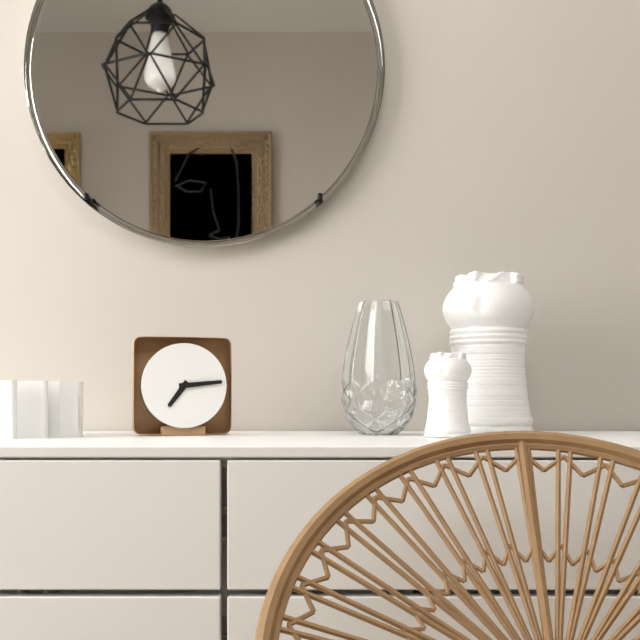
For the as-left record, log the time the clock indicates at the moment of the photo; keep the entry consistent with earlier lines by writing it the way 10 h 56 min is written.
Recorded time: 7 h 14 min
